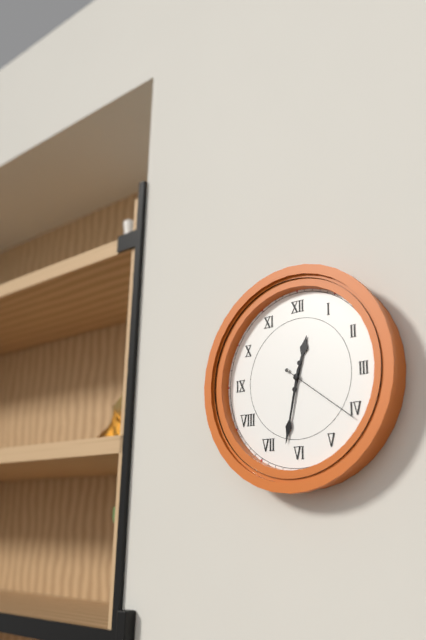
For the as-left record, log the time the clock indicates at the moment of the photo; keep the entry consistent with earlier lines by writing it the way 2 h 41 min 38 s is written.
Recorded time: 12 h 32 min 21 s
